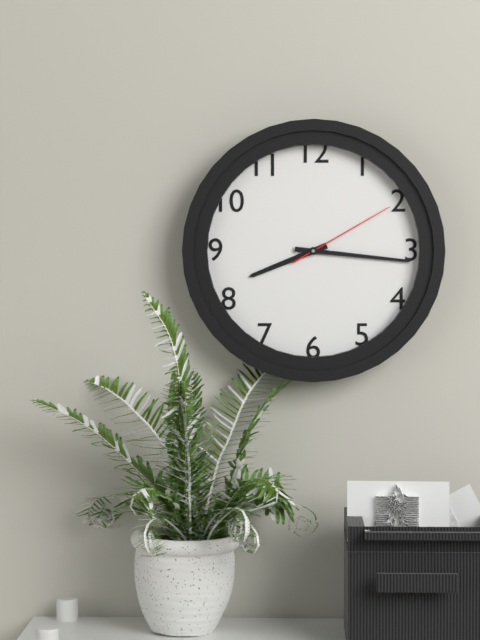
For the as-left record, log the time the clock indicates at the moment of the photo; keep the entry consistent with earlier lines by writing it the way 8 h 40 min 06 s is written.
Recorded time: 8 h 16 min 10 s
